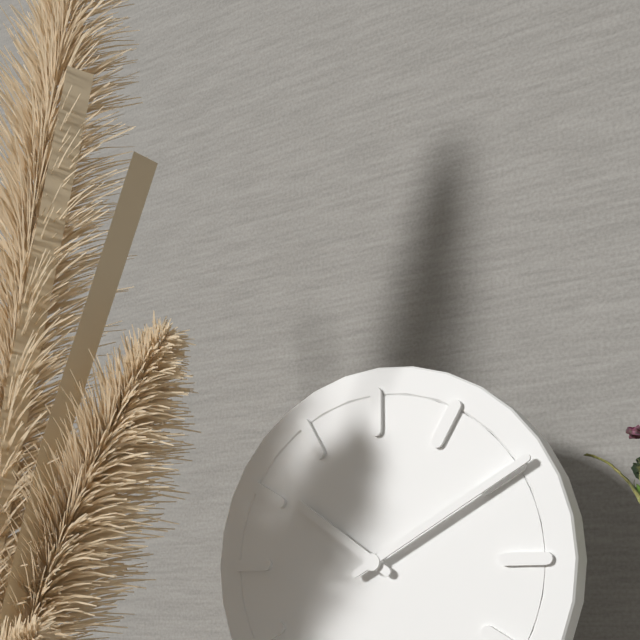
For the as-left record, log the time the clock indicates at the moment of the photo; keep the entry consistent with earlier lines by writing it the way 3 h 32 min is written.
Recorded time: 10 h 10 min
